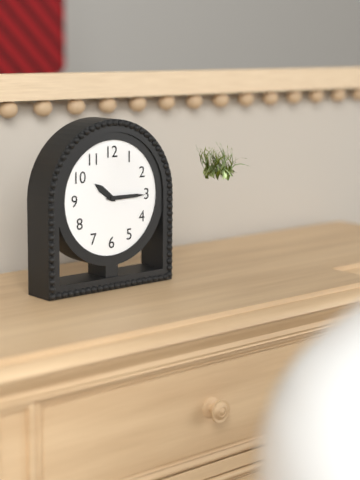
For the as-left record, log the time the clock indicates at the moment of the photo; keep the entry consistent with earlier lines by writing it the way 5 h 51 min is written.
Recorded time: 10 h 15 min
